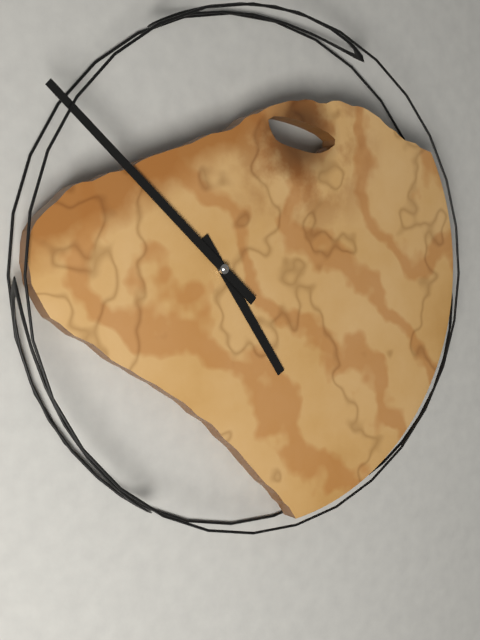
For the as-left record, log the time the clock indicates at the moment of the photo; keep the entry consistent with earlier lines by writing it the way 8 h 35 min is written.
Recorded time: 4 h 52 min
